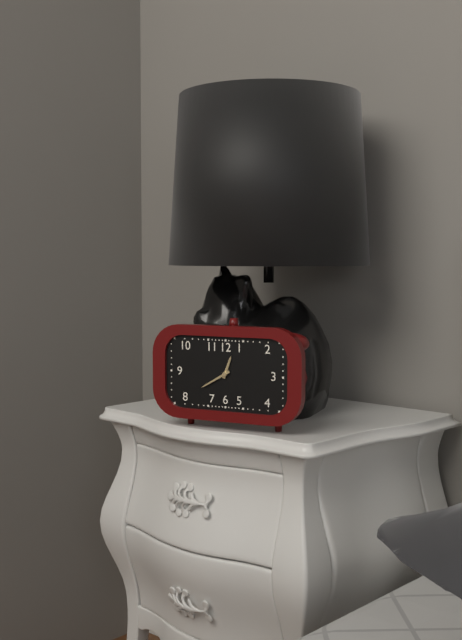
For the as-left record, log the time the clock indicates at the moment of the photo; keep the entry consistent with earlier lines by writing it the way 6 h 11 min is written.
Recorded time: 12 h 40 min
